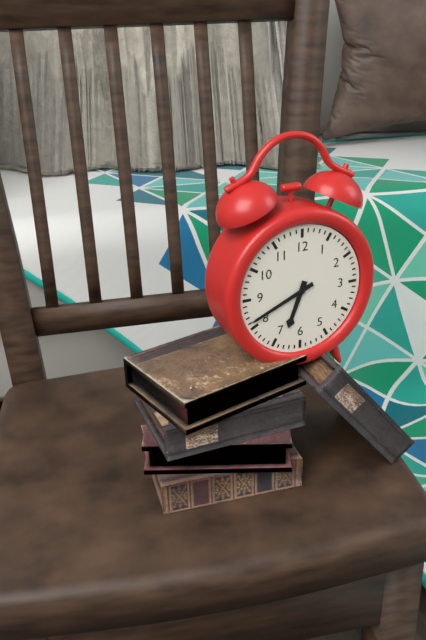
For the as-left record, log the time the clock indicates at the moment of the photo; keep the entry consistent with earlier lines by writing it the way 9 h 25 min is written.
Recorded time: 6 h 41 min
